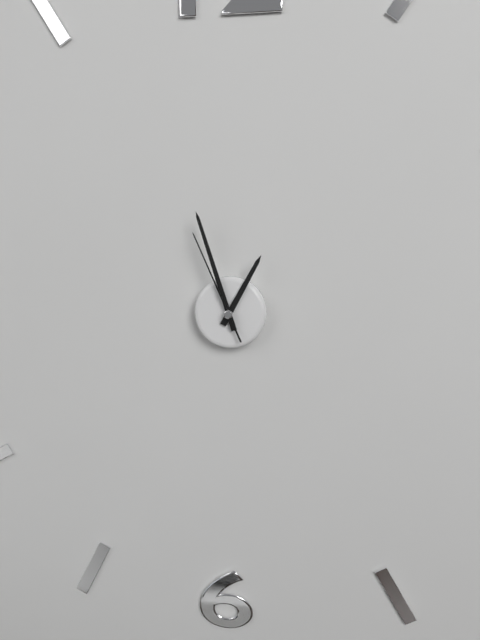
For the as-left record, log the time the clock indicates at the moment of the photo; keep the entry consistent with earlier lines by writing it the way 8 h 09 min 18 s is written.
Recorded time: 12 h 57 min 56 s
